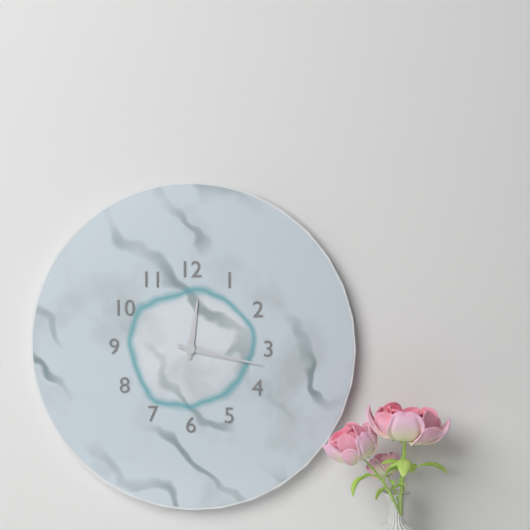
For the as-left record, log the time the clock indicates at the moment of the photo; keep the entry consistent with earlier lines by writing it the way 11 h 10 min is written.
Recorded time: 12 h 17 min
